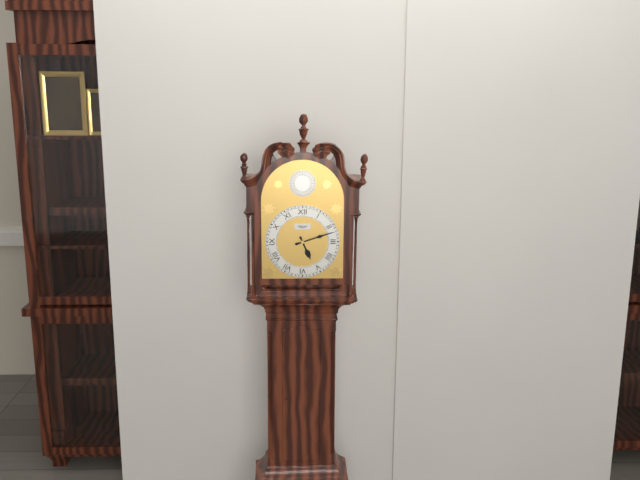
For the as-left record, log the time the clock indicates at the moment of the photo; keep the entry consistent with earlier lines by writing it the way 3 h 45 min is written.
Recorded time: 5 h 12 min
